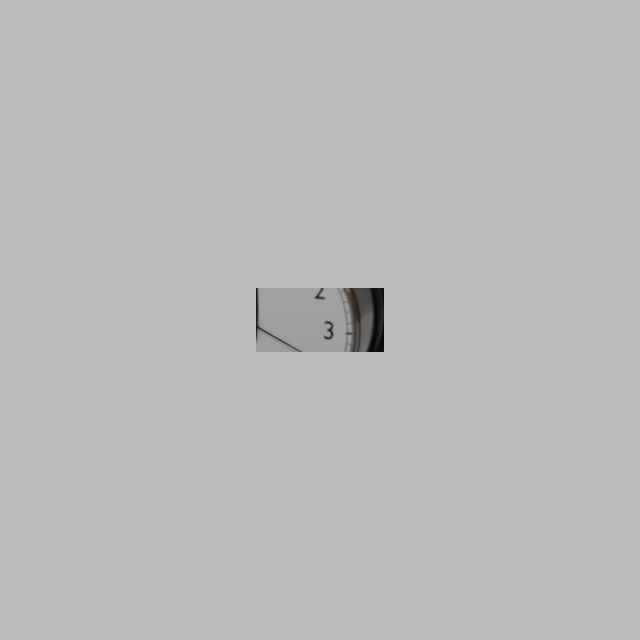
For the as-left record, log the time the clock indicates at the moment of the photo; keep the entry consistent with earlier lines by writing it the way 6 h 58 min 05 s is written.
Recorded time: 12 h 00 min 19 s
